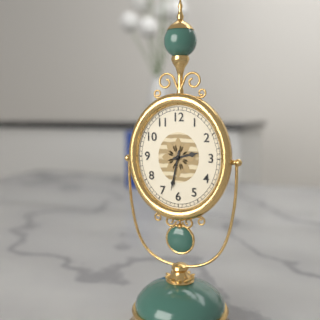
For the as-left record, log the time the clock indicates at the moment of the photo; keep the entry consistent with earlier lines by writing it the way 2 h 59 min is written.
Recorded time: 2 h 32 min
